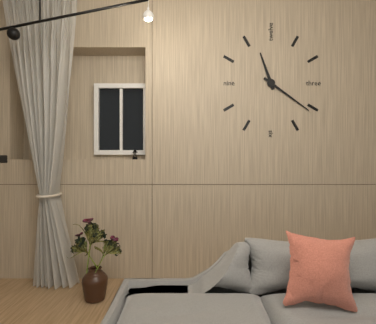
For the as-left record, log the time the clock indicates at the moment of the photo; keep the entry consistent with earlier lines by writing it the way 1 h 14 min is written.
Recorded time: 11 h 21 min
